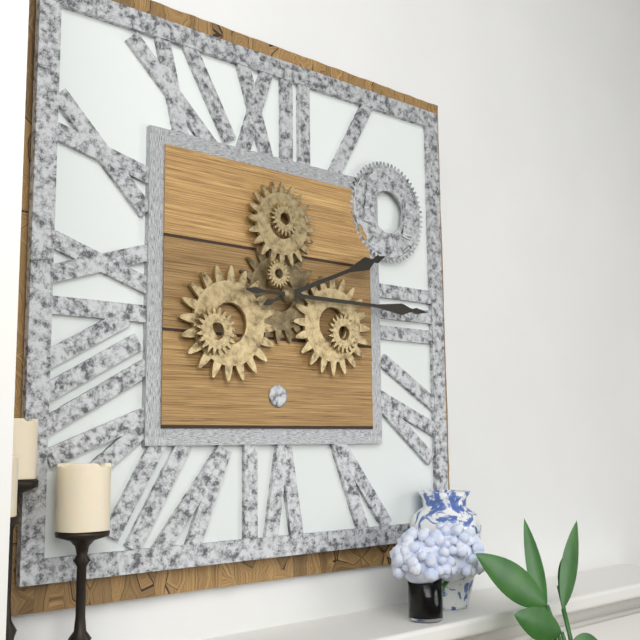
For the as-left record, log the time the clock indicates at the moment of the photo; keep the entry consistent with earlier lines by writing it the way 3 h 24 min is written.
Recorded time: 2 h 15 min
